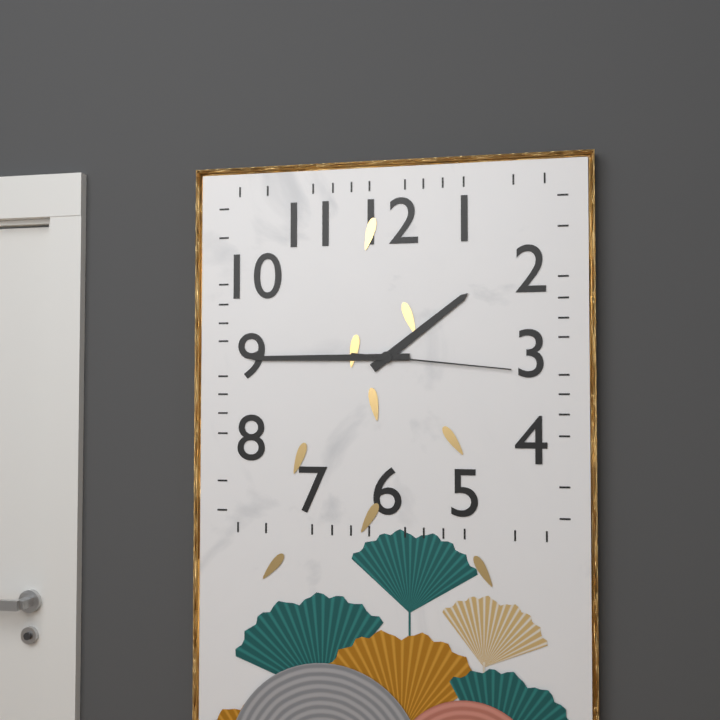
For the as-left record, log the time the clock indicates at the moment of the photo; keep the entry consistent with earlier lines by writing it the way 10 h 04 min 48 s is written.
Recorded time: 1 h 45 min 16 s
